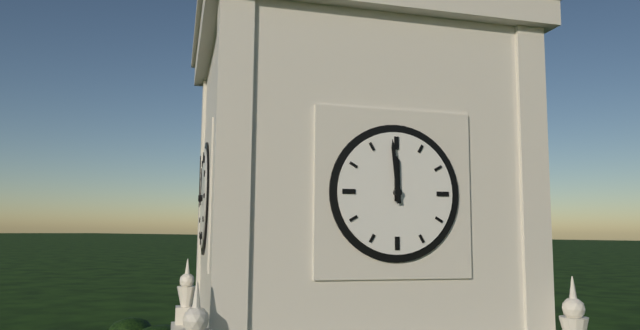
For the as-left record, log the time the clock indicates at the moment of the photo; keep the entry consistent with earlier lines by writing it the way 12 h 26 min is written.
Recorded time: 11 h 59 min
